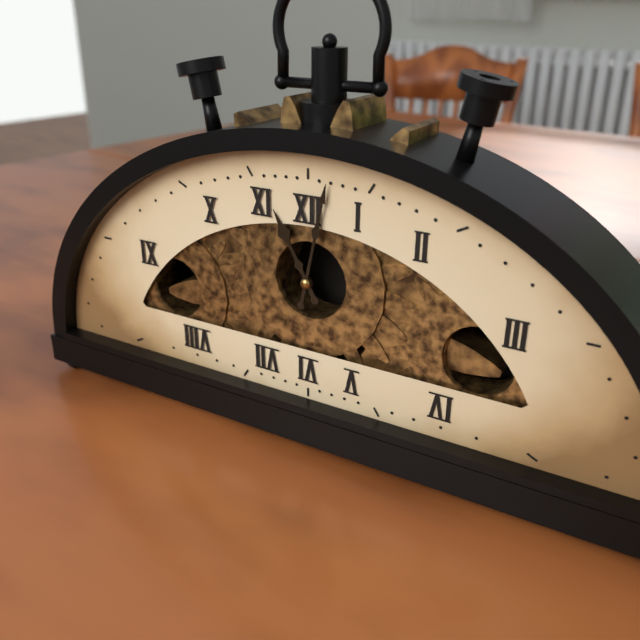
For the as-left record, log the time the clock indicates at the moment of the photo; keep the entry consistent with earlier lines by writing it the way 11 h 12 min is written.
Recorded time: 11 h 02 min
